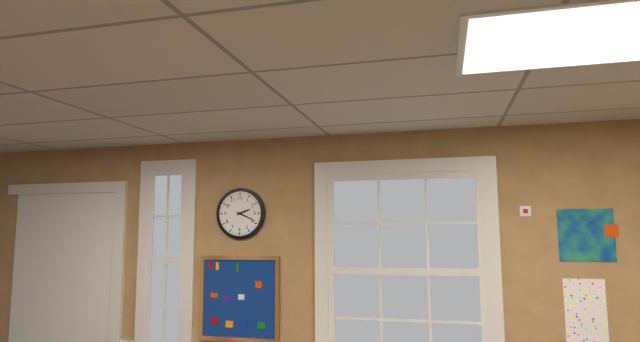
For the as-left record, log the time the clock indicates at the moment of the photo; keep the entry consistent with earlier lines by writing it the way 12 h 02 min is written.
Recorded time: 2 h 19 min
